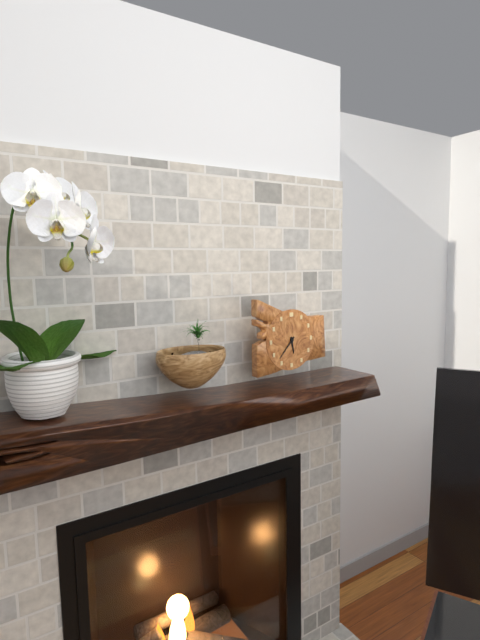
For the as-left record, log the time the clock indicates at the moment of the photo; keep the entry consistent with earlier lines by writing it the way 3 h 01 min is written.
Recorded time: 5 h 37 min
